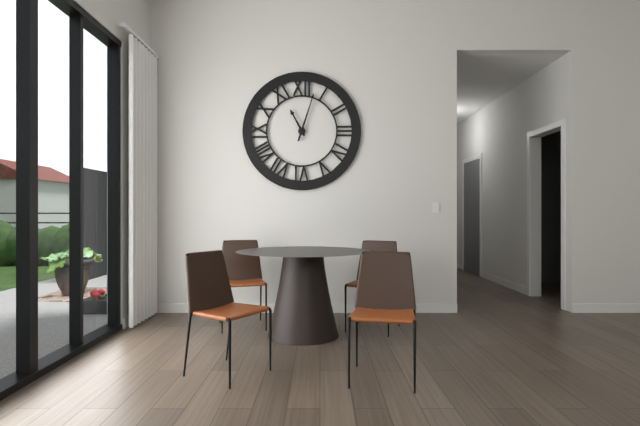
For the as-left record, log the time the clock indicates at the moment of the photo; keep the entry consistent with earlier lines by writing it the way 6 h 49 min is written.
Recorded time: 11 h 03 min
